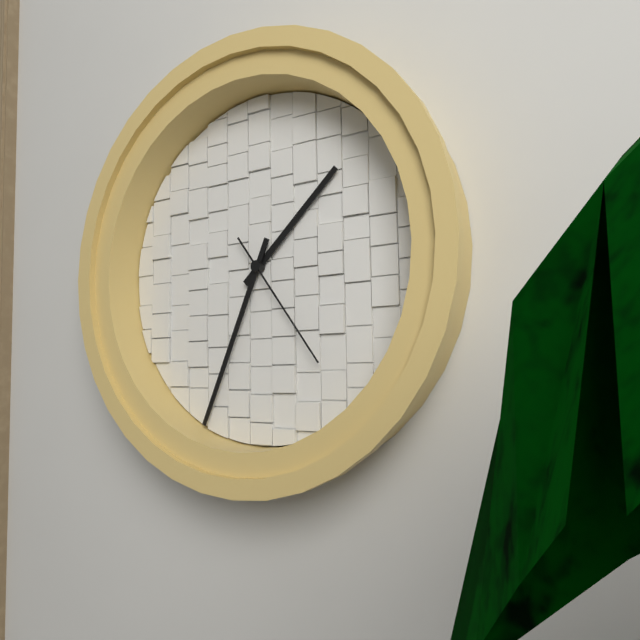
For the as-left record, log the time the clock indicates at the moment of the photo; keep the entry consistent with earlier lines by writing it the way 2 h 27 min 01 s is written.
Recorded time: 1 h 34 min 24 s
